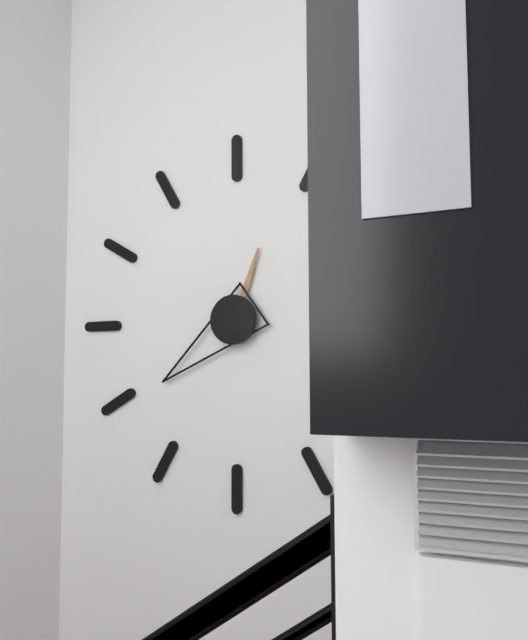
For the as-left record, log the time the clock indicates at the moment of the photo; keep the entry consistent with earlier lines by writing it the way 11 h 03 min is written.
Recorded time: 12 h 39 min
